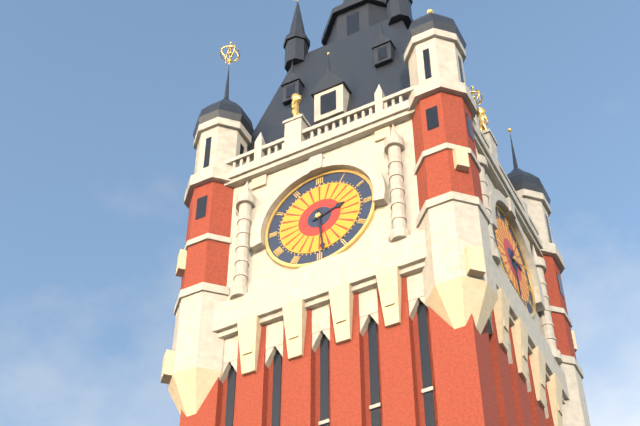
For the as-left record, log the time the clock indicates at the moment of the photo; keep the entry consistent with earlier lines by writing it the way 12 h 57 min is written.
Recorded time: 2 h 29 min
